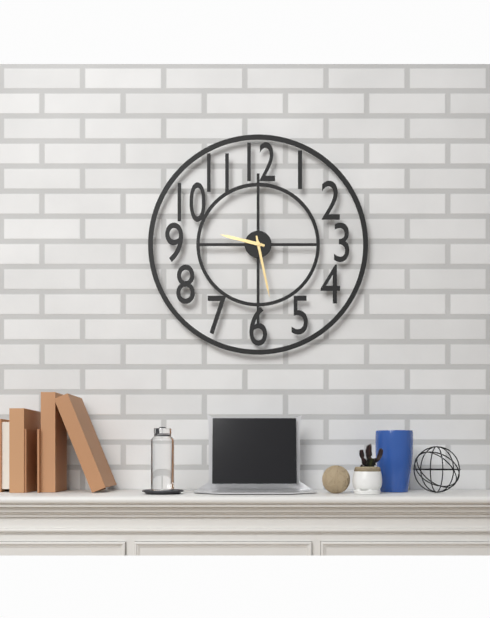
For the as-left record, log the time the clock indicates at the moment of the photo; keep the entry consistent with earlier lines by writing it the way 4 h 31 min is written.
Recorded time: 9 h 28 min
